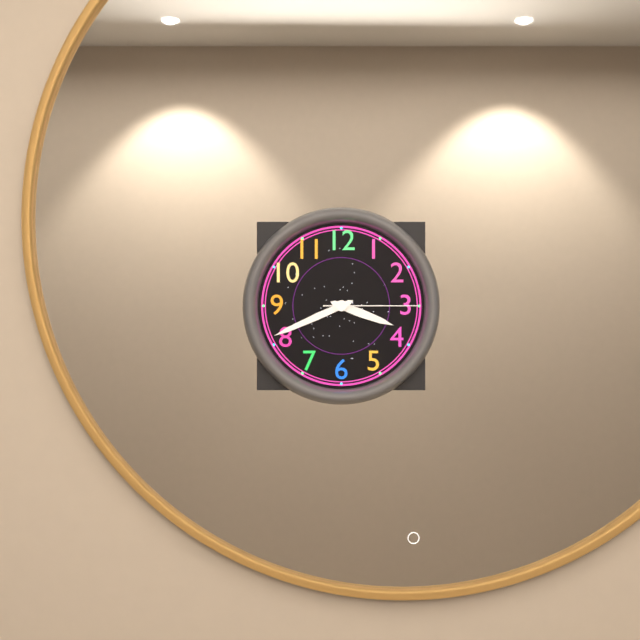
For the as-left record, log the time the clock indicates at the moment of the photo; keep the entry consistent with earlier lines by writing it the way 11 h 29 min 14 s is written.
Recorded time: 3 h 41 min 15 s
